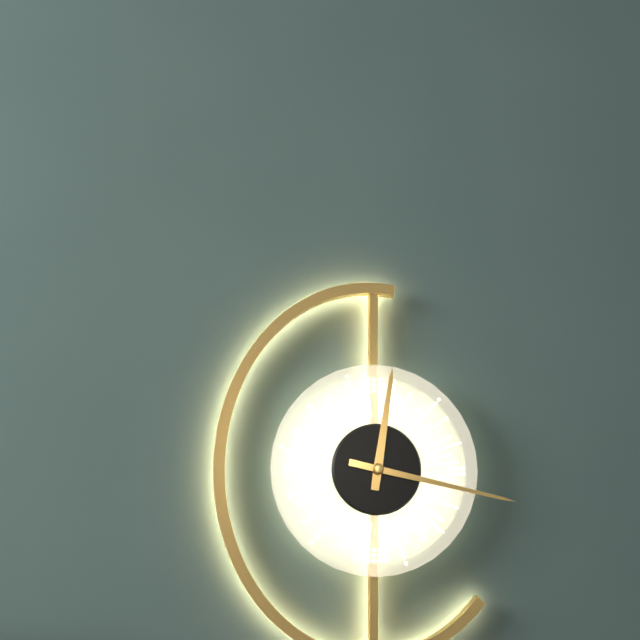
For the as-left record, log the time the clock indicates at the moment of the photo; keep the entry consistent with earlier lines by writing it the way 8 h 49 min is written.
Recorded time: 12 h 17 min
